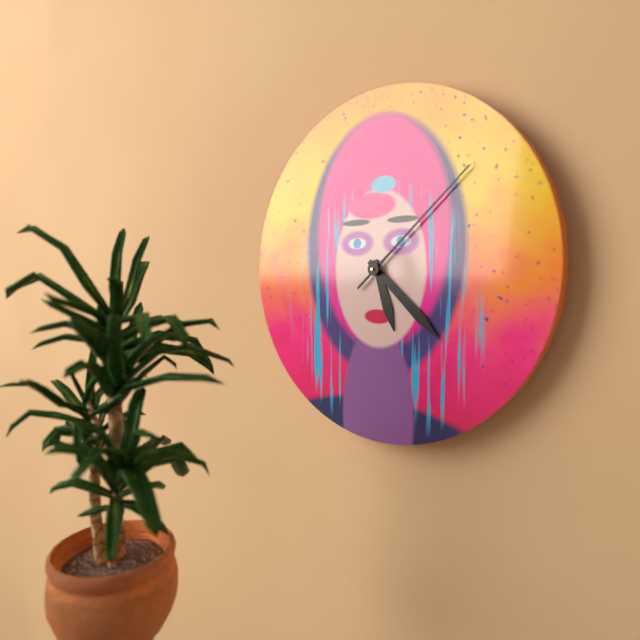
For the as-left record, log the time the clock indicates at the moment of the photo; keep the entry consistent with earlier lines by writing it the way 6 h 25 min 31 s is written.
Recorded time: 5 h 22 min 08 s
